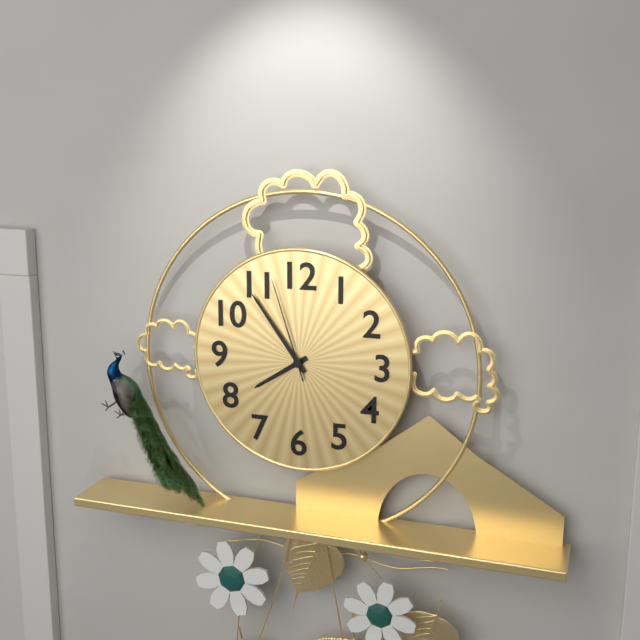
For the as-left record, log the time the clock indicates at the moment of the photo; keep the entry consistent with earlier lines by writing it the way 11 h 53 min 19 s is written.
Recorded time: 7 h 54 min 57 s
